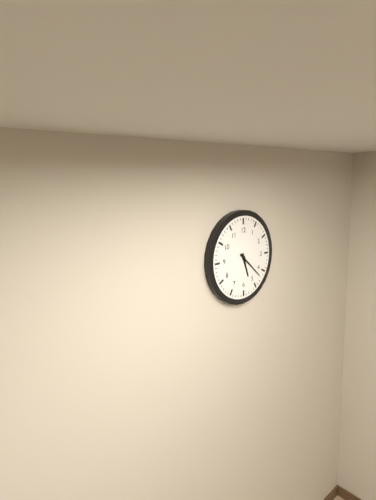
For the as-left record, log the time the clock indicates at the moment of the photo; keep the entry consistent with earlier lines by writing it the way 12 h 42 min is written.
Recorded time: 5 h 22 min
